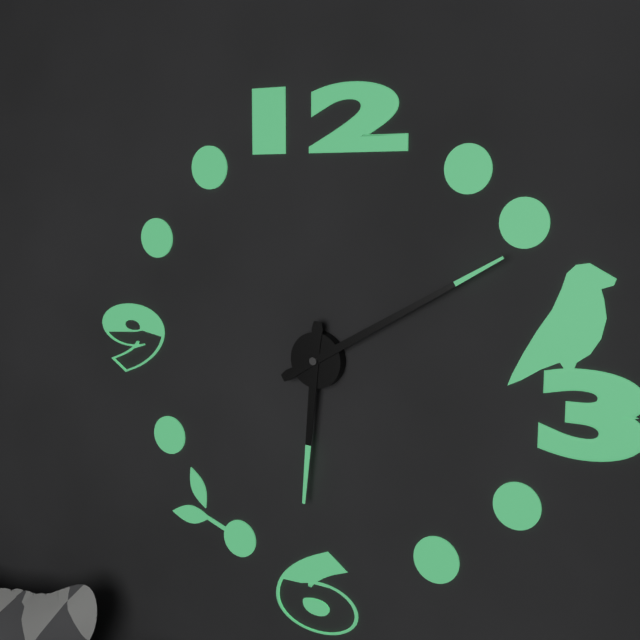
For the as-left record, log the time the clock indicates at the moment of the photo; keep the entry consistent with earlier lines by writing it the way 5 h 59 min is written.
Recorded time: 6 h 10 min
